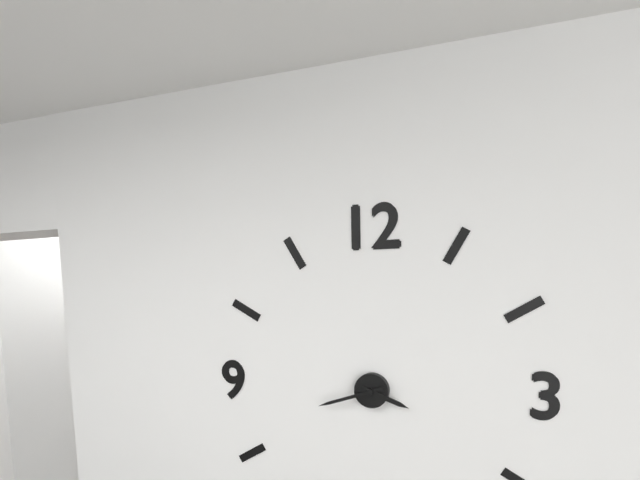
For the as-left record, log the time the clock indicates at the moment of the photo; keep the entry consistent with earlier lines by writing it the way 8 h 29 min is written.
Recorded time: 3 h 42 min
